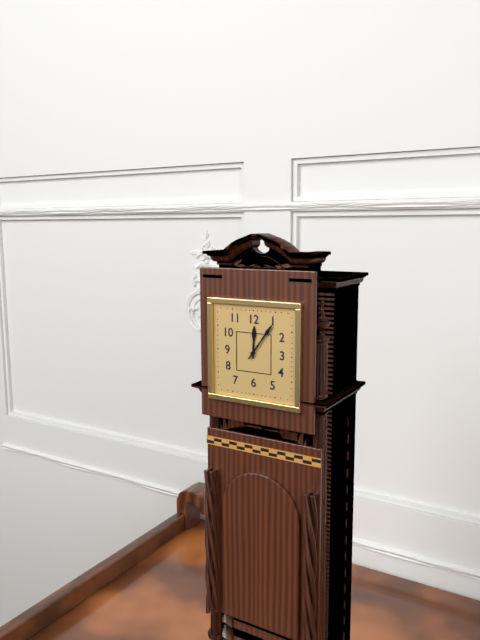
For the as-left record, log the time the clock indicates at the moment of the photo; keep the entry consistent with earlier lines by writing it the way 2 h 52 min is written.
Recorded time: 12 h 06 min
